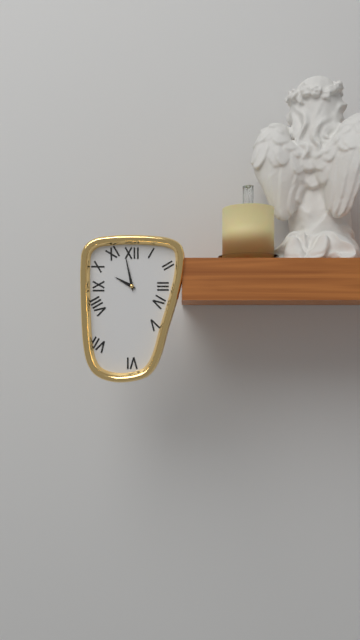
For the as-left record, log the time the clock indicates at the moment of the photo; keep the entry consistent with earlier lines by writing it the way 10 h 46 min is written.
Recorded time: 9 h 58 min
